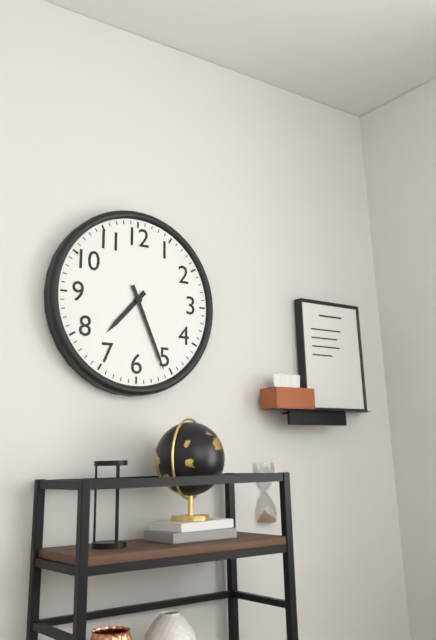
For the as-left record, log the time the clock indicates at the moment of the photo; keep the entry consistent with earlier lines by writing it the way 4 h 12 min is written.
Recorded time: 7 h 26 min
